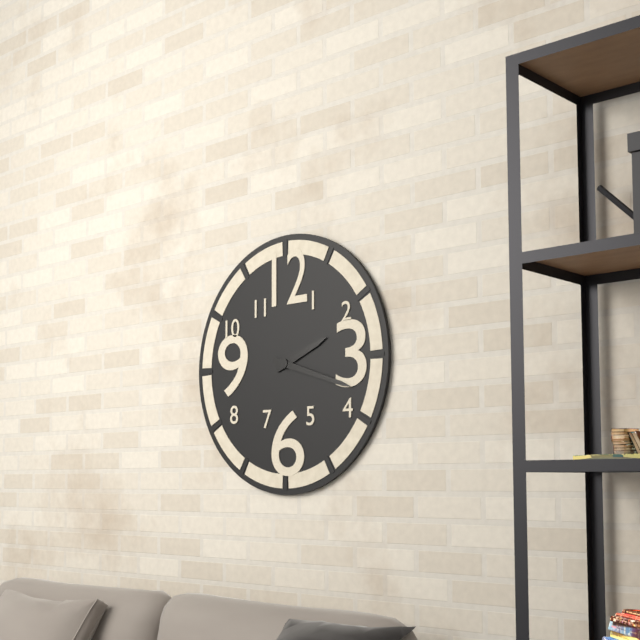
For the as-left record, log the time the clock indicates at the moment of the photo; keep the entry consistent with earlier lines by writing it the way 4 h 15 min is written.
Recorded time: 2 h 18 min
